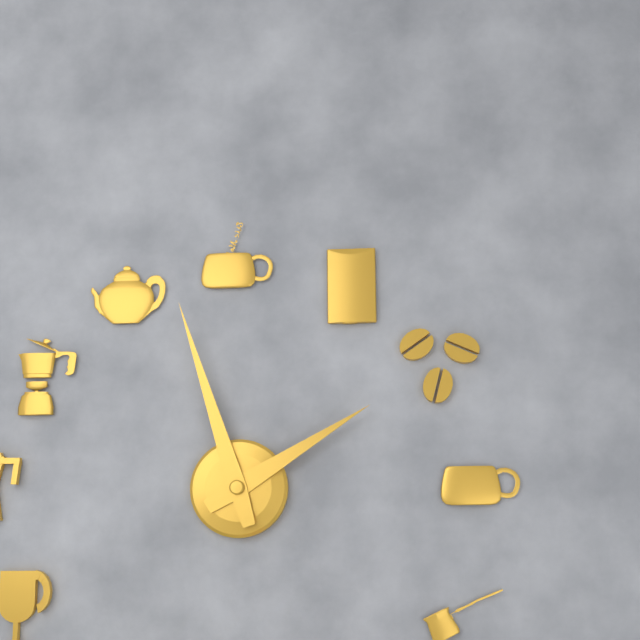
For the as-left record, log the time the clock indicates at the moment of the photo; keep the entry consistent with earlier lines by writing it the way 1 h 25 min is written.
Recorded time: 1 h 57 min
